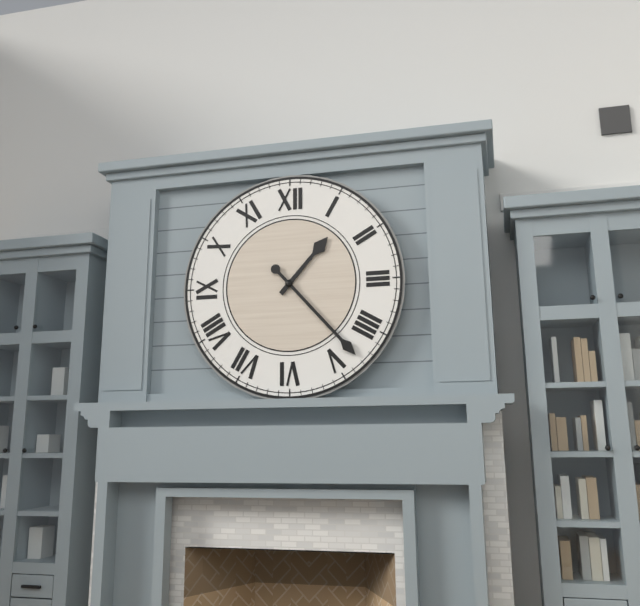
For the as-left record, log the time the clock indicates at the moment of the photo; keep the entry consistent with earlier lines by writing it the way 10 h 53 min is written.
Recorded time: 1 h 23 min
